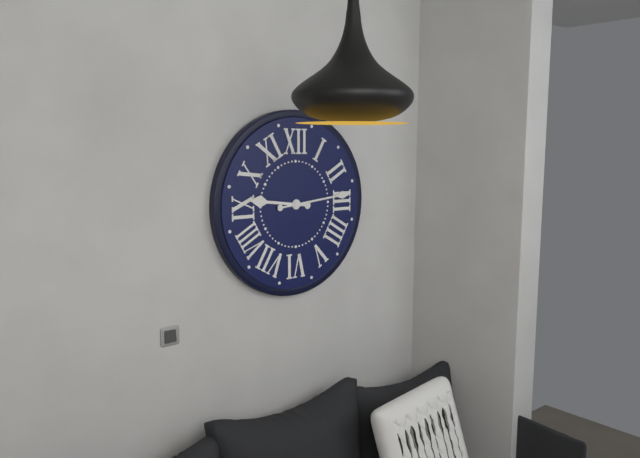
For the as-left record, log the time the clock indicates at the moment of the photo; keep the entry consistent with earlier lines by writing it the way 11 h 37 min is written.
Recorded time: 9 h 14 min
